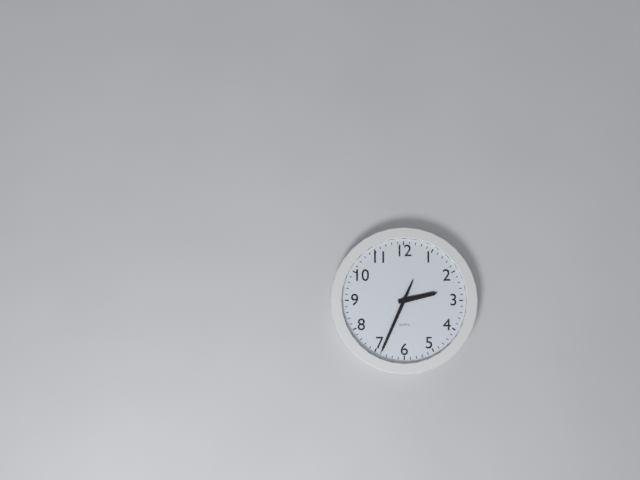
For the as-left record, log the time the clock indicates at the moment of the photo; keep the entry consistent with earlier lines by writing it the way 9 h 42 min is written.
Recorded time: 2 h 34 min
